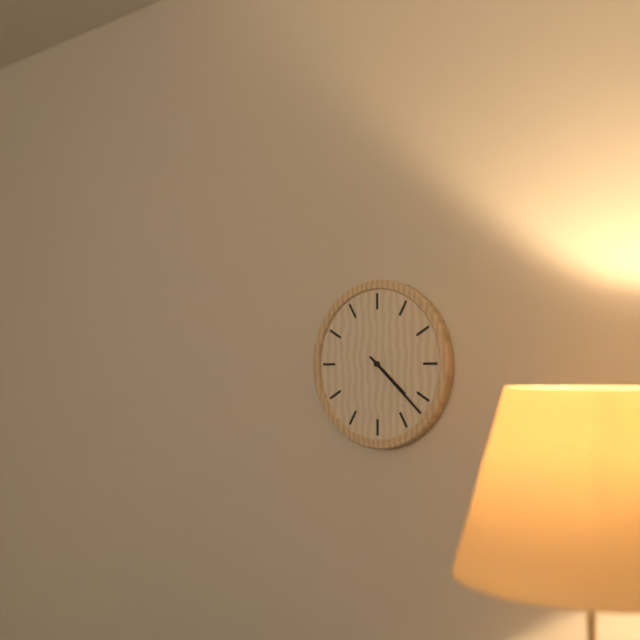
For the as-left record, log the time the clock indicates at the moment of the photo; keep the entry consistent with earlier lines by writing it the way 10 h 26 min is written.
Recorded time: 4 h 22 min
